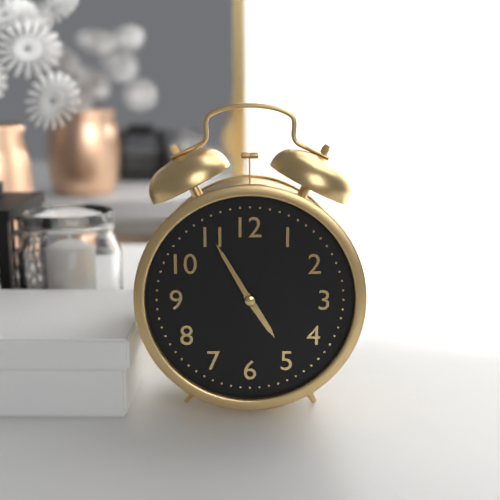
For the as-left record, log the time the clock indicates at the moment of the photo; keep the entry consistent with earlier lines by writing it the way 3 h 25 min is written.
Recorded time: 4 h 55 min
